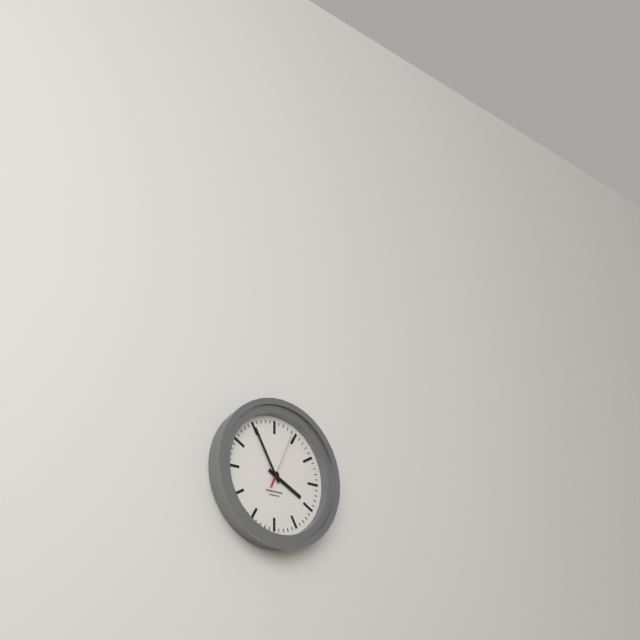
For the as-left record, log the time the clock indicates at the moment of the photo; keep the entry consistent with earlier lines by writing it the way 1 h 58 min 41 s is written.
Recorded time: 3 h 55 min 04 s
